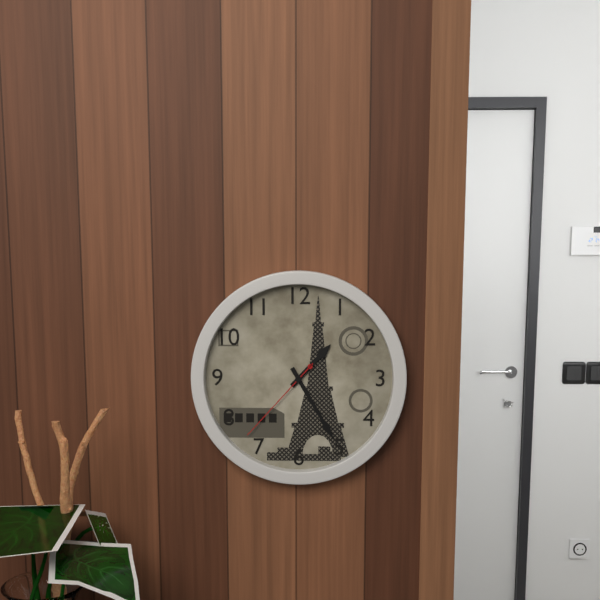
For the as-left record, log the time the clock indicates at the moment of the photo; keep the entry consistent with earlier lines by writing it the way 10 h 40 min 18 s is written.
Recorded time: 1 h 25 min 37 s
